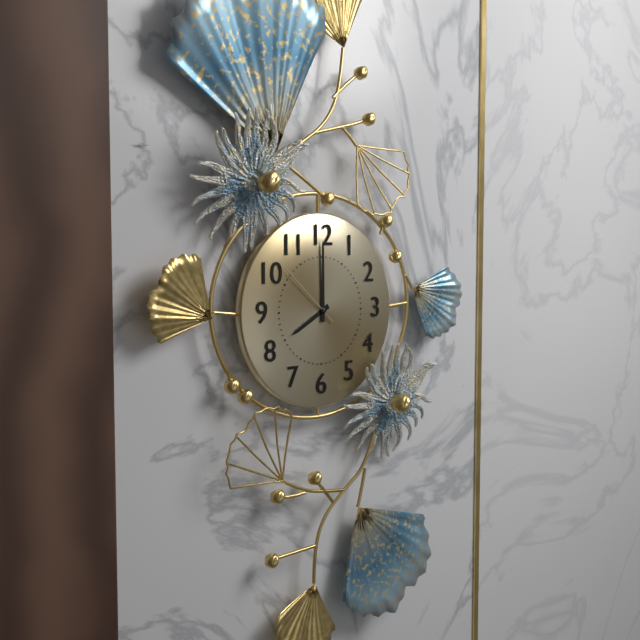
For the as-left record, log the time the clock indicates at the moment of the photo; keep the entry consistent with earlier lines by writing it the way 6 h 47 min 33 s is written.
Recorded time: 8 h 00 min 52 s
